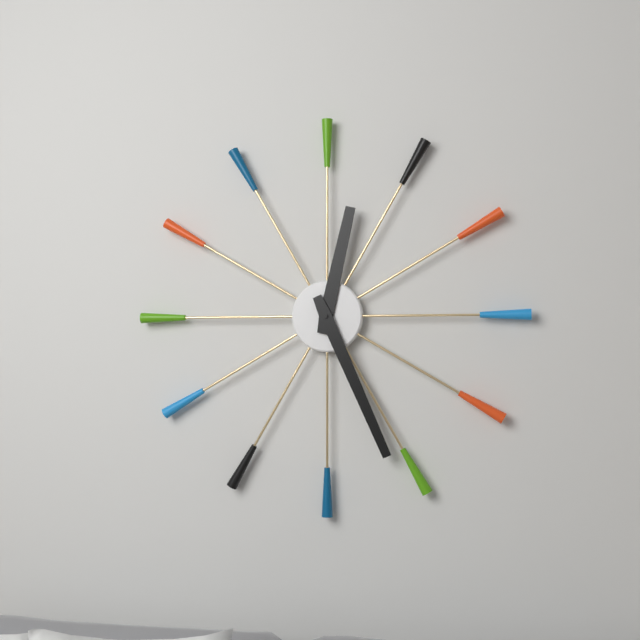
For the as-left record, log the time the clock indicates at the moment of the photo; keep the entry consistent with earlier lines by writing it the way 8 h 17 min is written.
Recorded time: 12 h 26 min
